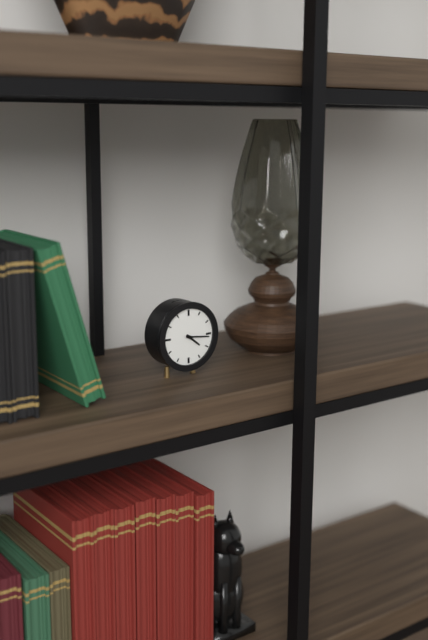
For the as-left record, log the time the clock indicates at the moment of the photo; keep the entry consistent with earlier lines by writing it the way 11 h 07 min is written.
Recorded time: 4 h 16 min
